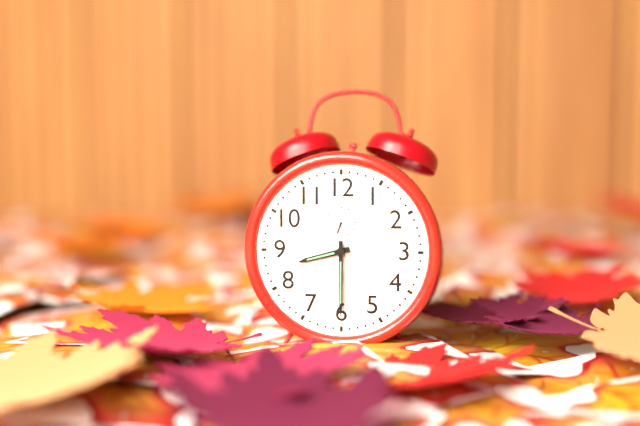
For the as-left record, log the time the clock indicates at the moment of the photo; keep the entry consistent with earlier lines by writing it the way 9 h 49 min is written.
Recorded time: 8 h 30 min
